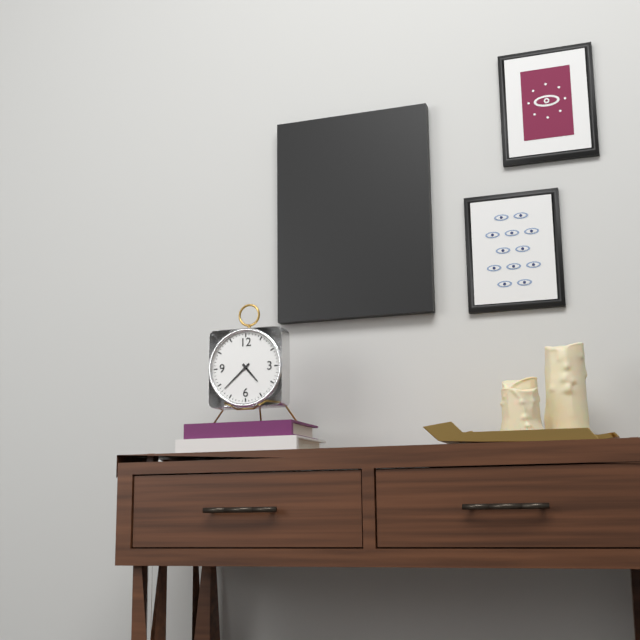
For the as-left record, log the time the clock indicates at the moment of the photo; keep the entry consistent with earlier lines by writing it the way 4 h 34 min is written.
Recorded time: 4 h 38 min
